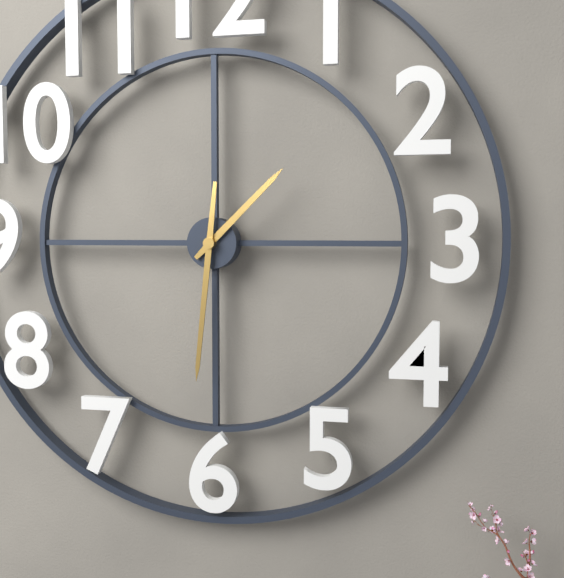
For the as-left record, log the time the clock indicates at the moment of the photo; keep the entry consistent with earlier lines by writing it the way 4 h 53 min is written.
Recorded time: 1 h 31 min
